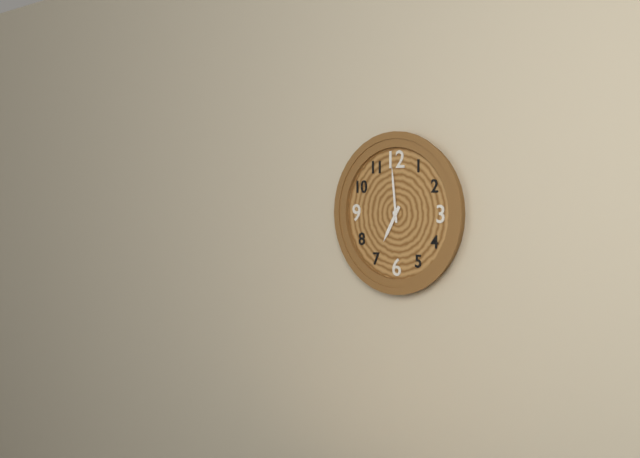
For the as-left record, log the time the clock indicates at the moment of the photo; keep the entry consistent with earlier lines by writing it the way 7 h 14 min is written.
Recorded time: 6 h 59 min
